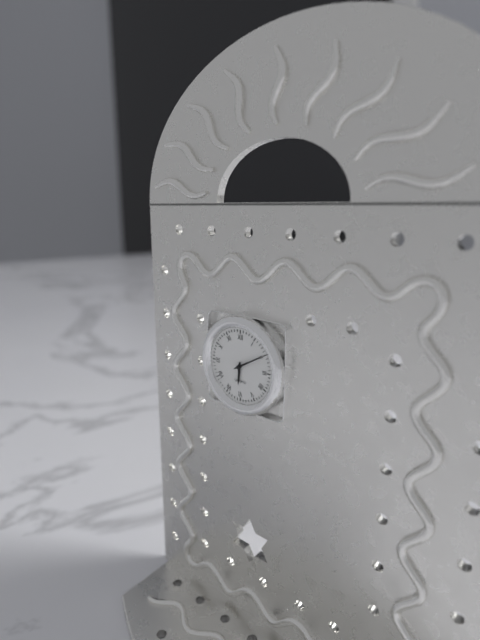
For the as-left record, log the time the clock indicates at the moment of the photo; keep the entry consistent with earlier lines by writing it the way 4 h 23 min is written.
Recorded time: 6 h 10 min
